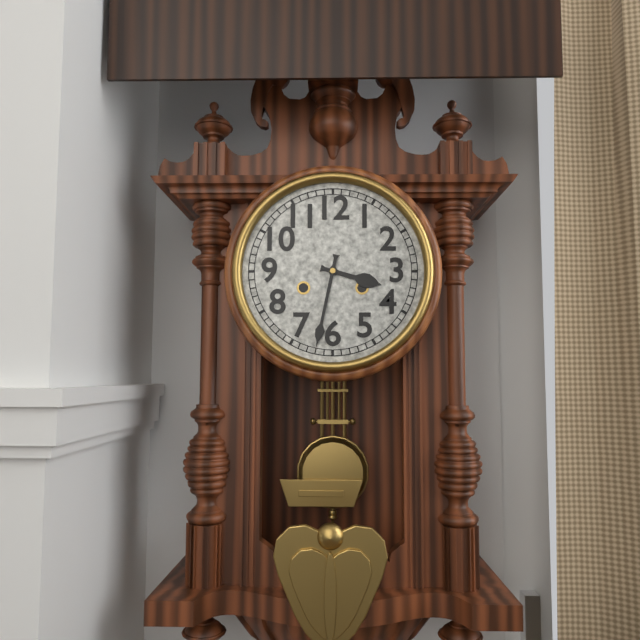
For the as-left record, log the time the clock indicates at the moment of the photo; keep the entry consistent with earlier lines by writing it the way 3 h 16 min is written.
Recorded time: 3 h 32 min
